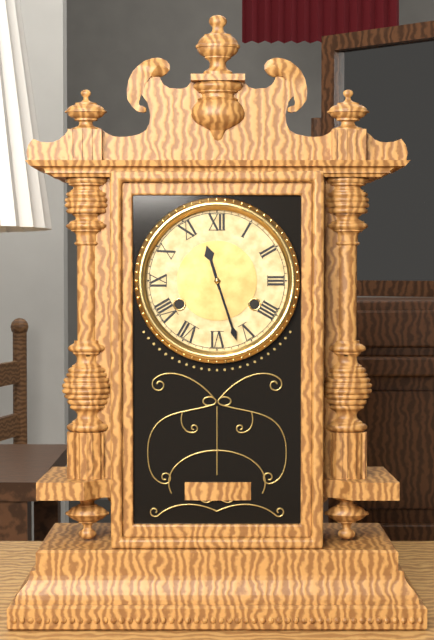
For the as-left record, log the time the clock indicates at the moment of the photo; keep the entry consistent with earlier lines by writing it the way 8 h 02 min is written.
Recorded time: 11 h 27 min
